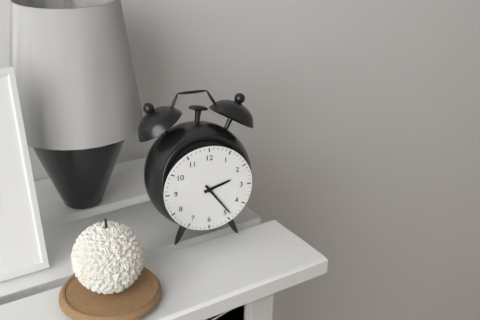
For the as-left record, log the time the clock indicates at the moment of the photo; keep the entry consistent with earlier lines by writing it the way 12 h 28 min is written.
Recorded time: 2 h 24 min
